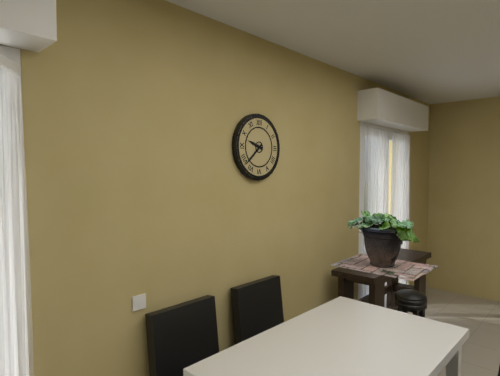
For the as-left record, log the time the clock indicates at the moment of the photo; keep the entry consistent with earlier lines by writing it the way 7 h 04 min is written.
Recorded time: 9 h 38 min
